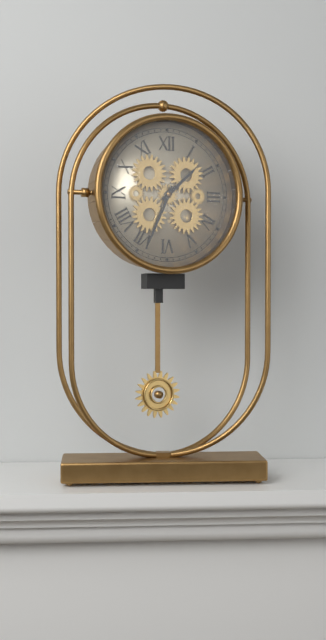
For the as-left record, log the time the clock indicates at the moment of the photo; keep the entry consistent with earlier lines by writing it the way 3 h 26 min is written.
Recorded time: 1 h 34 min
